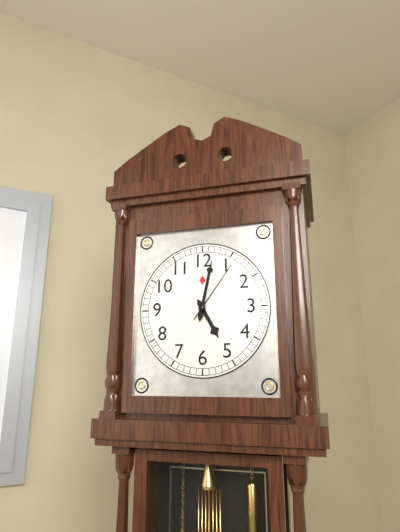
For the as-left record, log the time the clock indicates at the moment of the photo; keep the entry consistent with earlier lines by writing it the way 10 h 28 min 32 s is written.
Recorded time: 5 h 02 min 06 s
